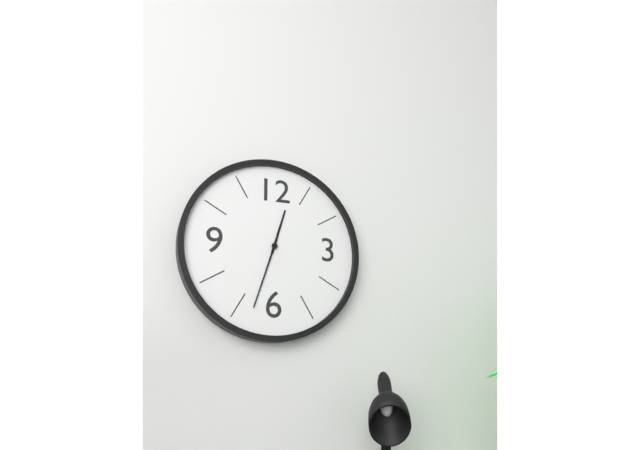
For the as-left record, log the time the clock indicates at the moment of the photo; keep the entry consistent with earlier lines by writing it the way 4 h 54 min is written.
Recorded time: 12 h 33 min
